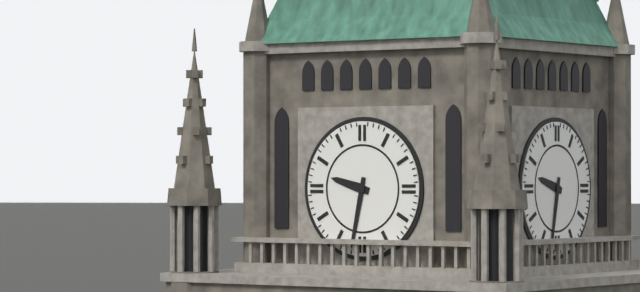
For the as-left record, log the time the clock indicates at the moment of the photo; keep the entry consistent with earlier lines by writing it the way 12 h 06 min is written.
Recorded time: 9 h 32 min
